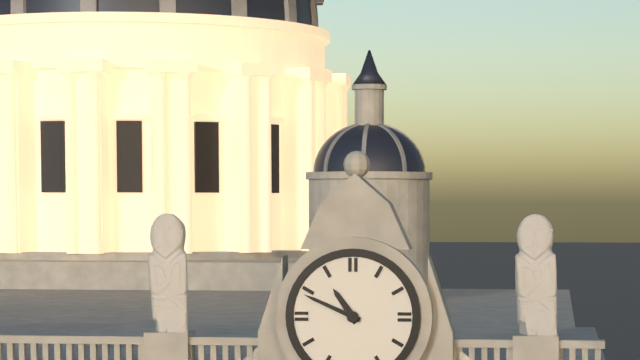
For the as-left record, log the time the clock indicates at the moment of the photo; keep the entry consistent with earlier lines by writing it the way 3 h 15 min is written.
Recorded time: 10 h 49 min
